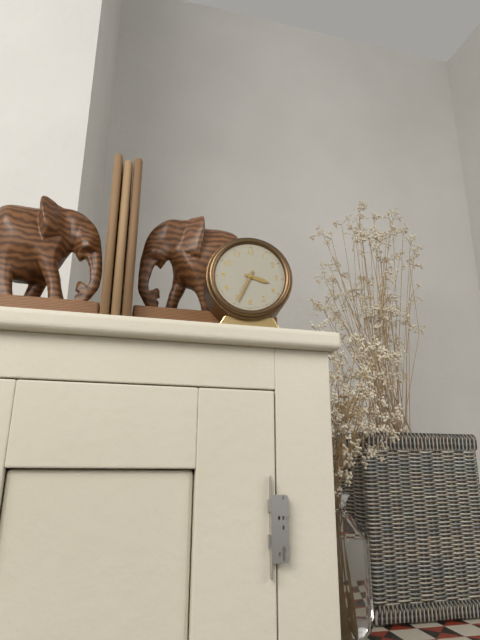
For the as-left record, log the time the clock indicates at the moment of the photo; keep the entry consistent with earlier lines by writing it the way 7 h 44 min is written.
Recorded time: 3 h 34 min
